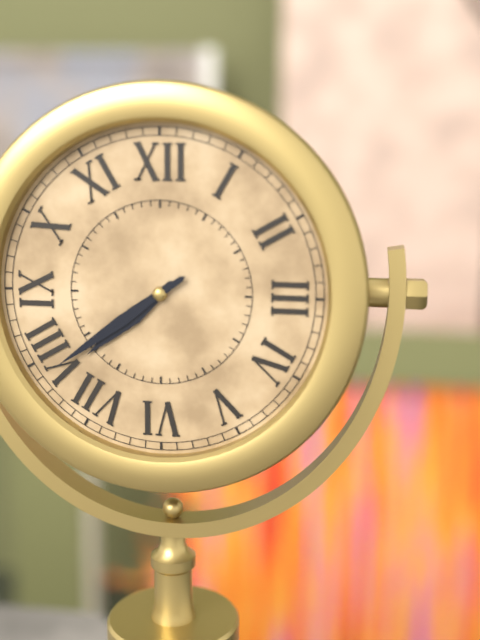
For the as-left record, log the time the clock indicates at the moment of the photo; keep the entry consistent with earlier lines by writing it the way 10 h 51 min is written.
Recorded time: 7 h 39 min
